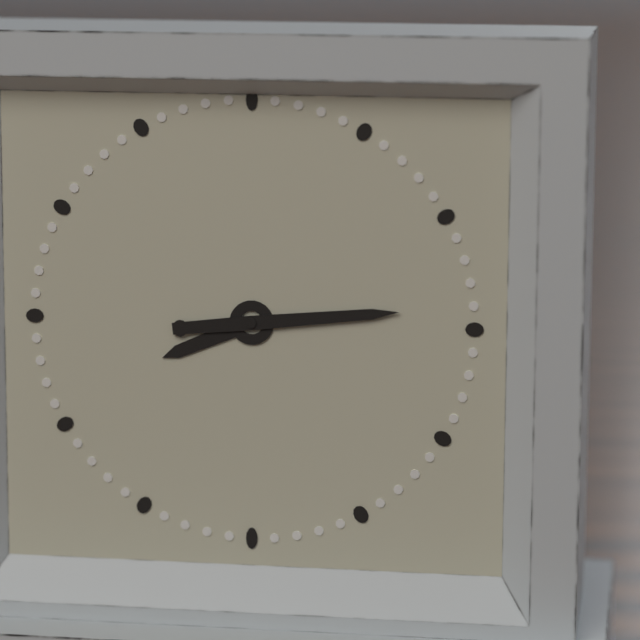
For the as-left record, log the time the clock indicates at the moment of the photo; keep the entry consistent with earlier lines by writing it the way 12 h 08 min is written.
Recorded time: 8 h 14 min
